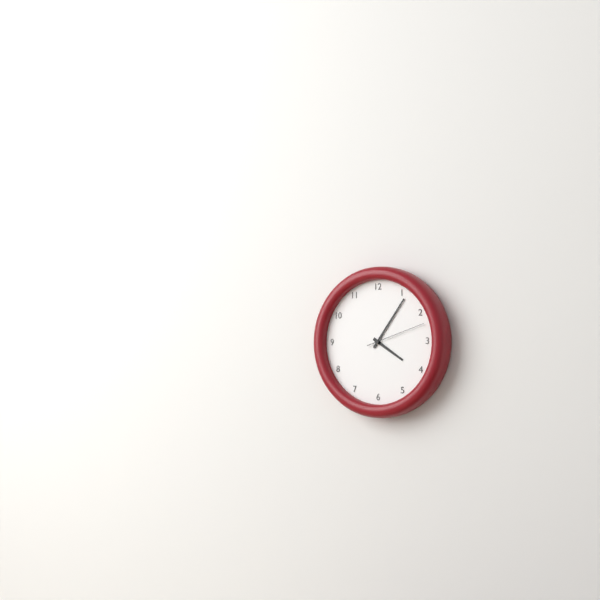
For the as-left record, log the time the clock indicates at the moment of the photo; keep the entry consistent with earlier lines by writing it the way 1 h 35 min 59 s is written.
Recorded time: 4 h 06 min 12 s
